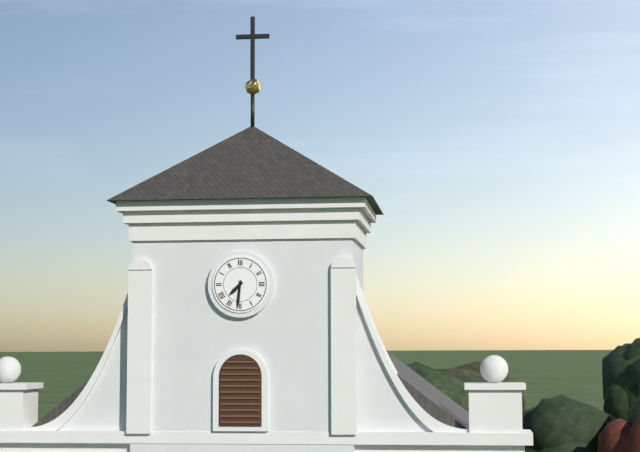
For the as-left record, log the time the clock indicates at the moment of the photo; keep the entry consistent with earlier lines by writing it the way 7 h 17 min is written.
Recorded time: 7 h 31 min
